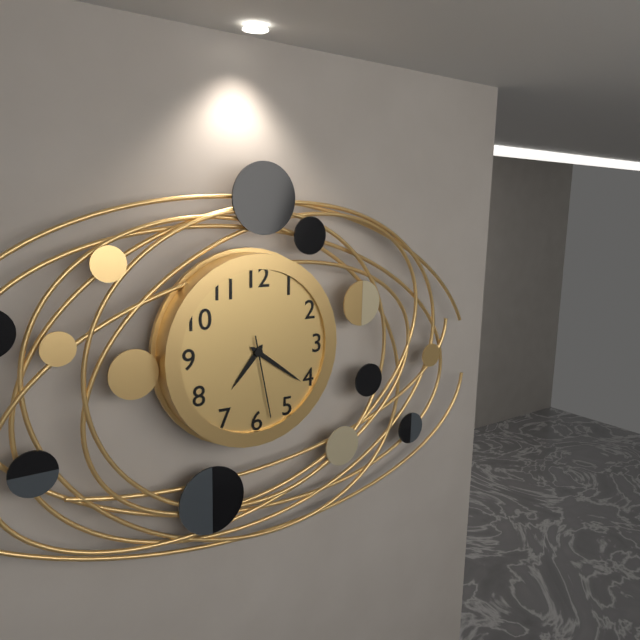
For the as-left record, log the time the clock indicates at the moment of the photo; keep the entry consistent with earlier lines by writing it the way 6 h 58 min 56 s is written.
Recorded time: 7 h 21 min 28 s
